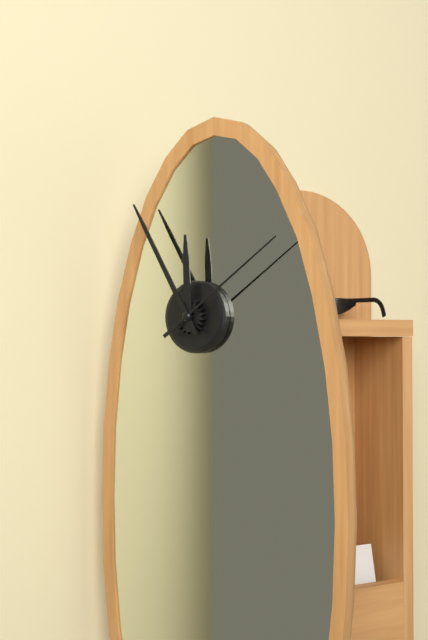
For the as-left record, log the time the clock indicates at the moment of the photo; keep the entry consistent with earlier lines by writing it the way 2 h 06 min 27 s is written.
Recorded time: 11 h 55 min 09 s
